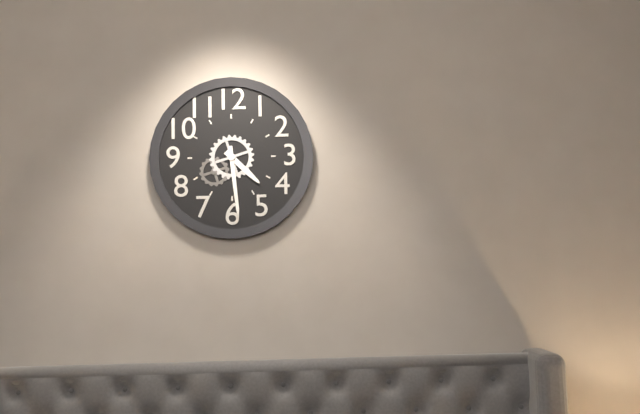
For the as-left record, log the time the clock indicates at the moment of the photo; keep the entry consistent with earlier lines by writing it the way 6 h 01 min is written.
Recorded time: 4 h 29 min
